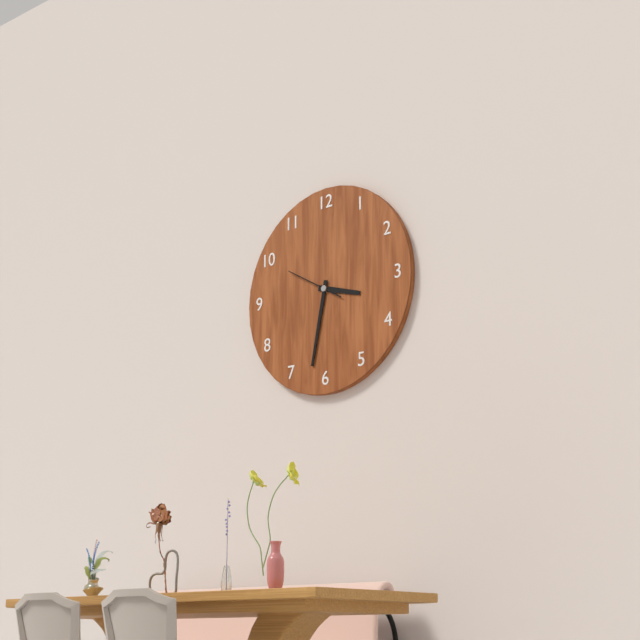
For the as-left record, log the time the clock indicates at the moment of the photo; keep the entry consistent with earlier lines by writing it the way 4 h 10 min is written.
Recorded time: 3 h 32 min
